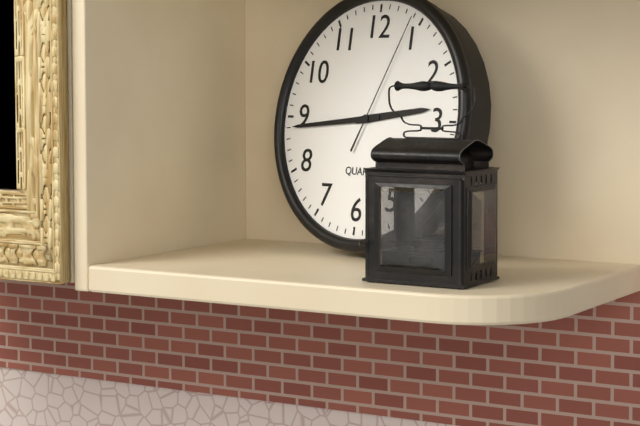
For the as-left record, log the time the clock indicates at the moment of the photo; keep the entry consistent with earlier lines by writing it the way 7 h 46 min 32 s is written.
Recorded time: 2 h 44 min 04 s
